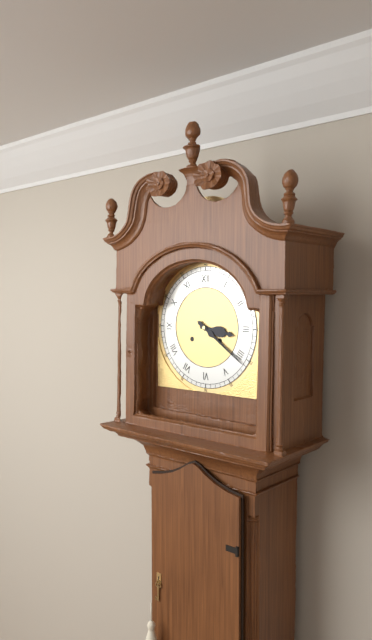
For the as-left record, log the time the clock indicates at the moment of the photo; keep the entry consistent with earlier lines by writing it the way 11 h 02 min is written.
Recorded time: 3 h 21 min
